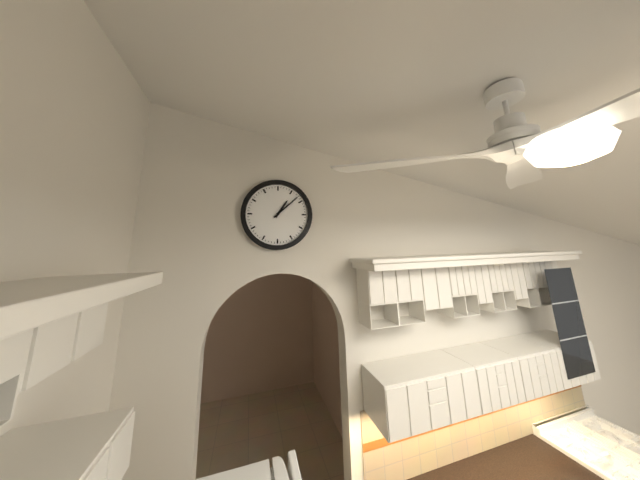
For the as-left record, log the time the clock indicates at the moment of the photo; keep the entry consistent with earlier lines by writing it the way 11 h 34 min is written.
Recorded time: 1 h 08 min
